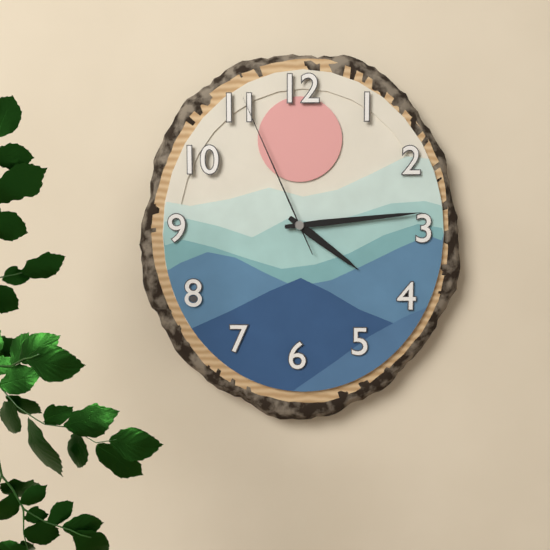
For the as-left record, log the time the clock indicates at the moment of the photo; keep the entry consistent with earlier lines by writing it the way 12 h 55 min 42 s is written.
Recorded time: 4 h 14 min 56 s
